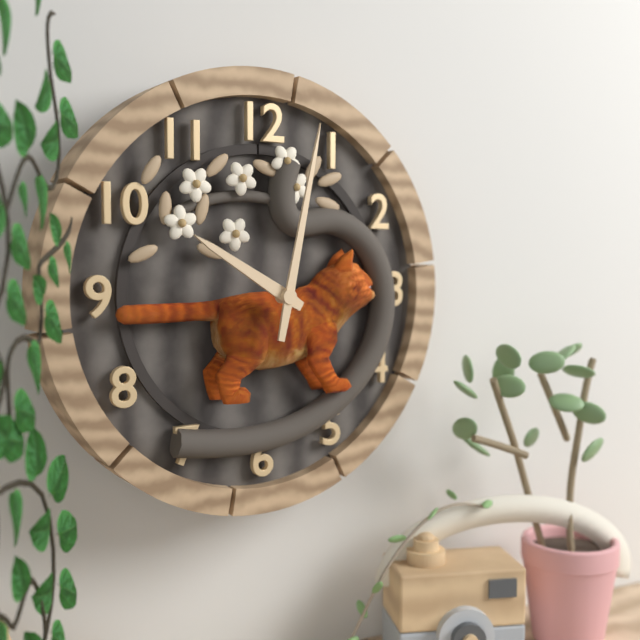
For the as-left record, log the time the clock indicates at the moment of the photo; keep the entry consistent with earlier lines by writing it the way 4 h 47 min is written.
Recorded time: 10 h 02 min
